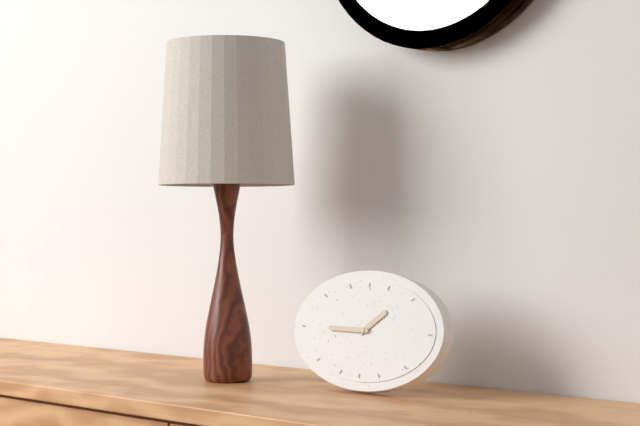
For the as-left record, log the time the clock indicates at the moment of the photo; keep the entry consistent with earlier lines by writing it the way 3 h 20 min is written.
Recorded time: 1 h 45 min
